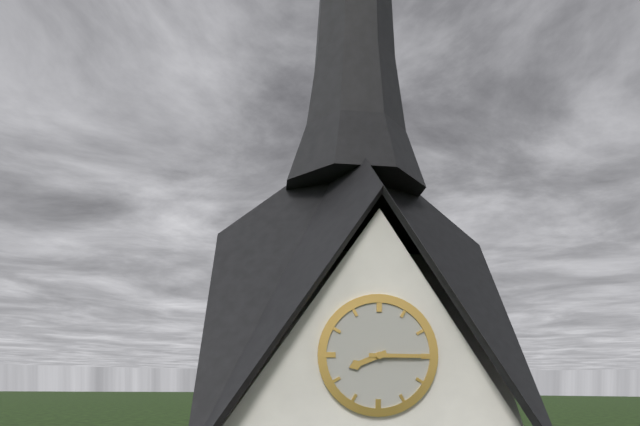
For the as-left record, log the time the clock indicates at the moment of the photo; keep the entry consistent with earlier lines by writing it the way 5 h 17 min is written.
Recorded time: 8 h 15 min
